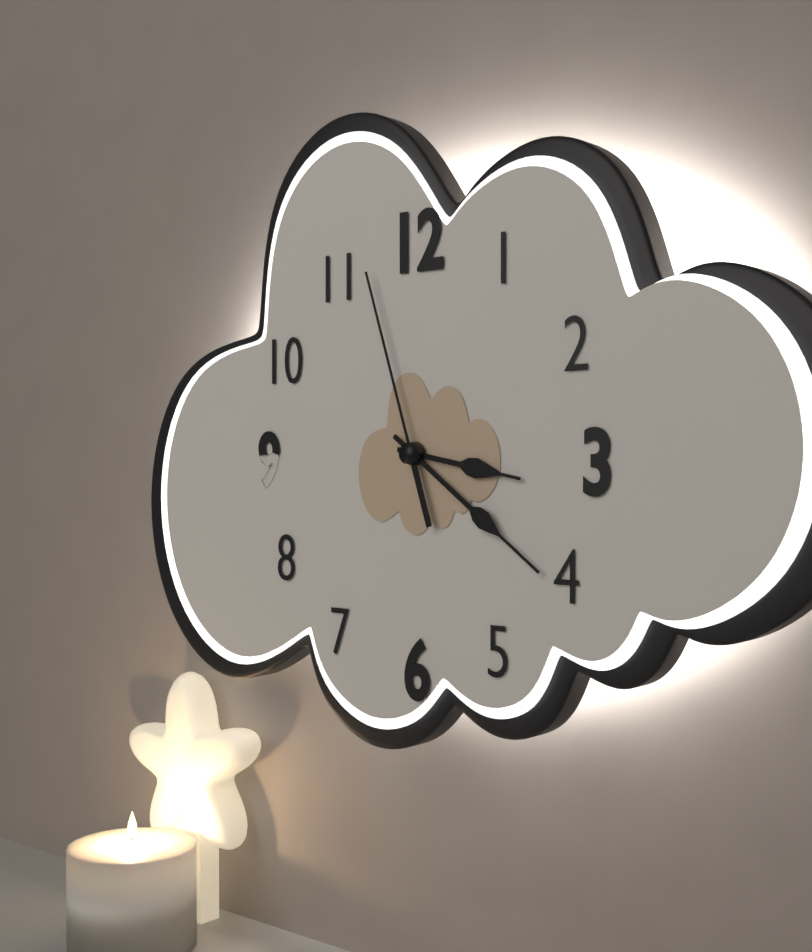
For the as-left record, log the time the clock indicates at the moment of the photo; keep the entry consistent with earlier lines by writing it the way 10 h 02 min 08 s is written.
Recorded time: 3 h 21 min 57 s
